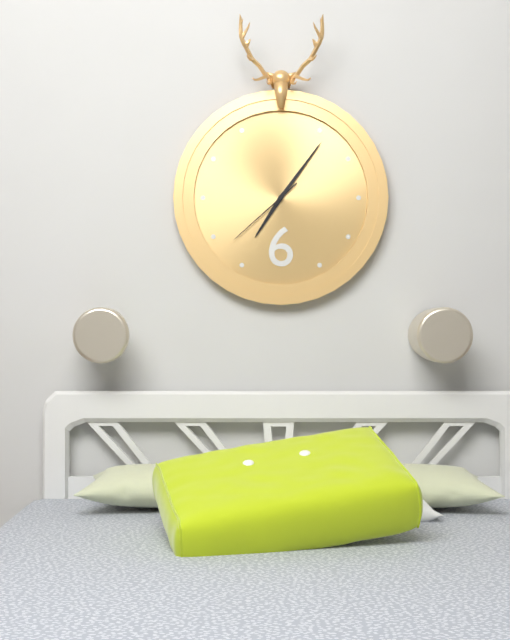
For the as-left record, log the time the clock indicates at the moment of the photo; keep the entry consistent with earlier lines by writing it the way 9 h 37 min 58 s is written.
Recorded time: 7 h 06 min 38 s
